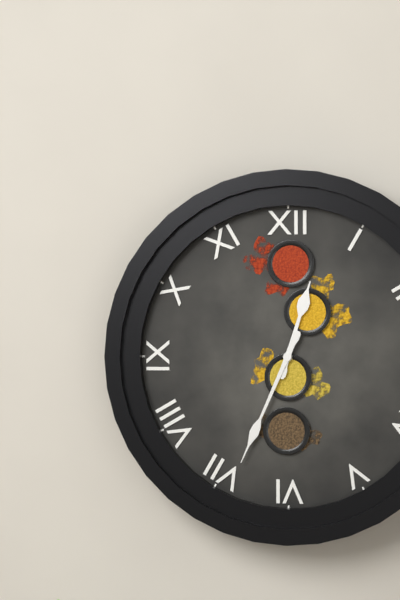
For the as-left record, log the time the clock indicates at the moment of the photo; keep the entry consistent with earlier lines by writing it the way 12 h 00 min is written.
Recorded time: 12 h 34 min
